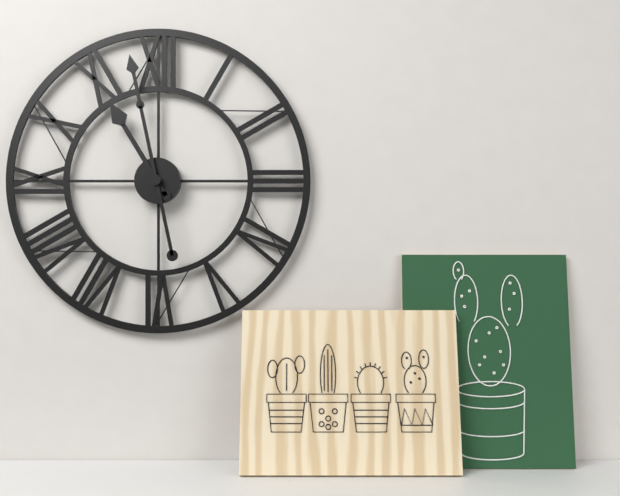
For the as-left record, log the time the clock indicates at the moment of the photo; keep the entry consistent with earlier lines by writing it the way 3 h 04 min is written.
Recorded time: 10 h 58 min
